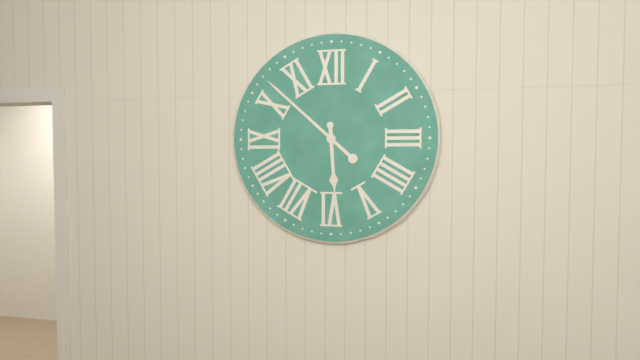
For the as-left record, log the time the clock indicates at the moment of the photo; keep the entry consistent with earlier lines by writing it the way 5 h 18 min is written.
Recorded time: 5 h 52 min
